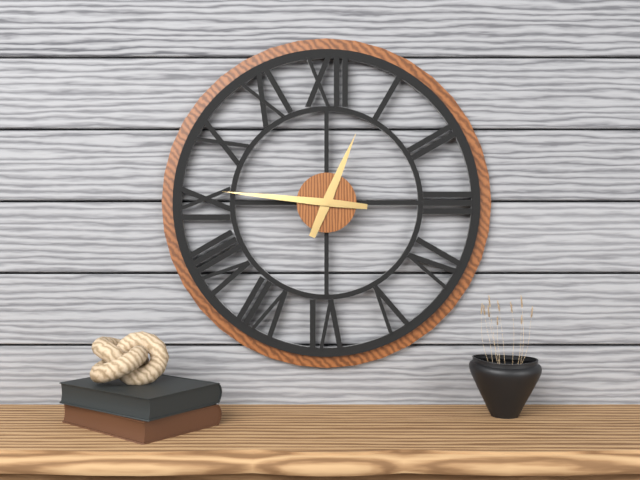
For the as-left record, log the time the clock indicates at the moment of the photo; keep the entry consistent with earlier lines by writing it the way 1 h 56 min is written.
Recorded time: 12 h 46 min
